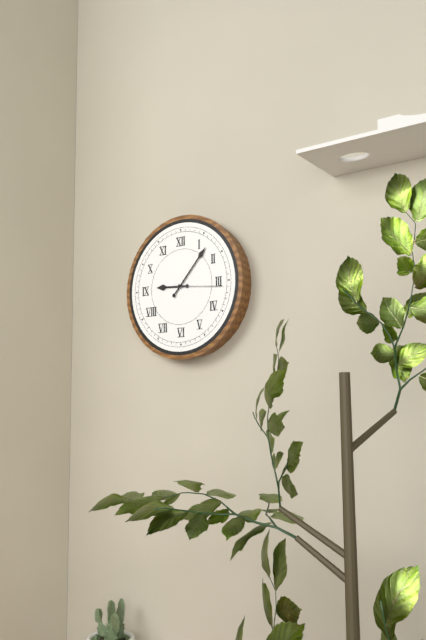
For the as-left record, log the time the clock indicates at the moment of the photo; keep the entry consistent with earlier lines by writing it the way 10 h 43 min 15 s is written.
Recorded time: 9 h 07 min 16 s
